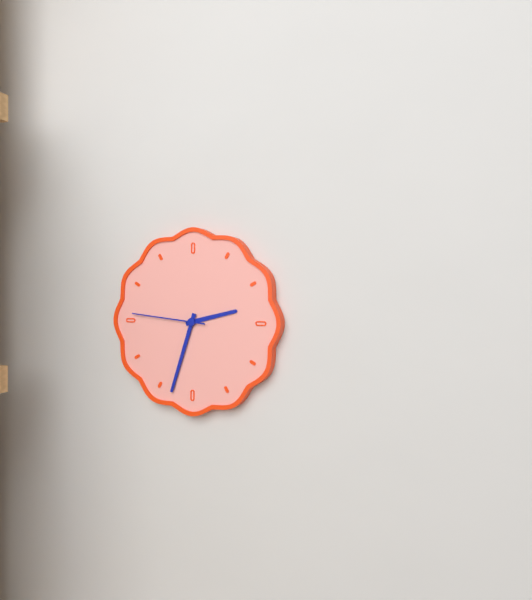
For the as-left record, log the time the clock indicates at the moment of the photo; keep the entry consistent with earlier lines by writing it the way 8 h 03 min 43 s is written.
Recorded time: 2 h 33 min 46 s
